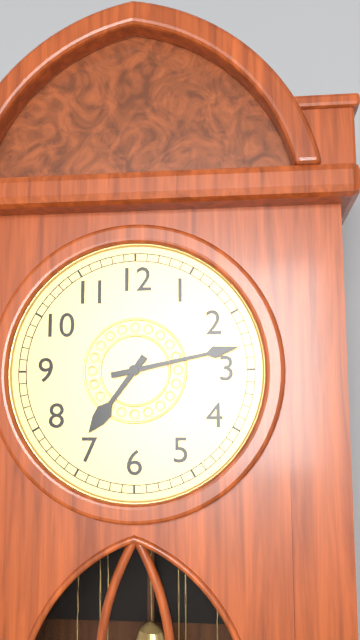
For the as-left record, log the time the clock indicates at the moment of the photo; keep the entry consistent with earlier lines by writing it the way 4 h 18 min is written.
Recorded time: 7 h 13 min
